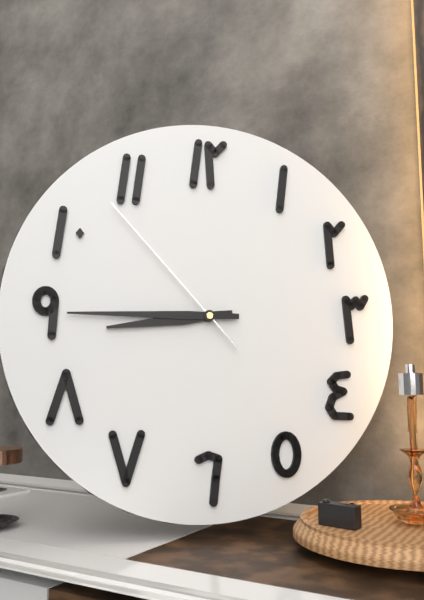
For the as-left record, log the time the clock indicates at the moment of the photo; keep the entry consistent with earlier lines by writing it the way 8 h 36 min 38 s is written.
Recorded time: 8 h 45 min 53 s
